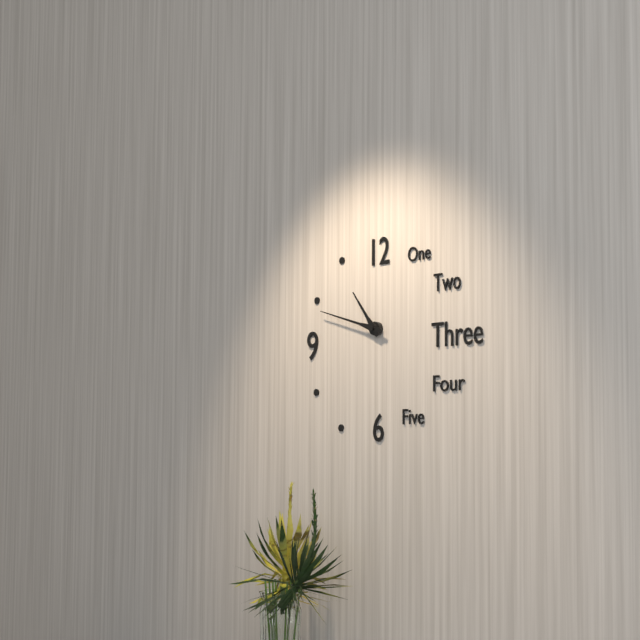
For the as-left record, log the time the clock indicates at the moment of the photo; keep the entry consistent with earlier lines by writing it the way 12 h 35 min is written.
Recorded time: 10 h 48 min
